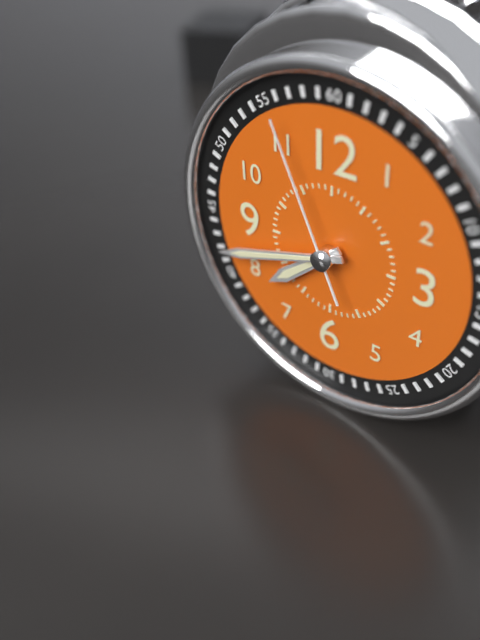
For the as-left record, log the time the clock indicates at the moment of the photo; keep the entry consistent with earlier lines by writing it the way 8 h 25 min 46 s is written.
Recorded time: 7 h 42 min 56 s
